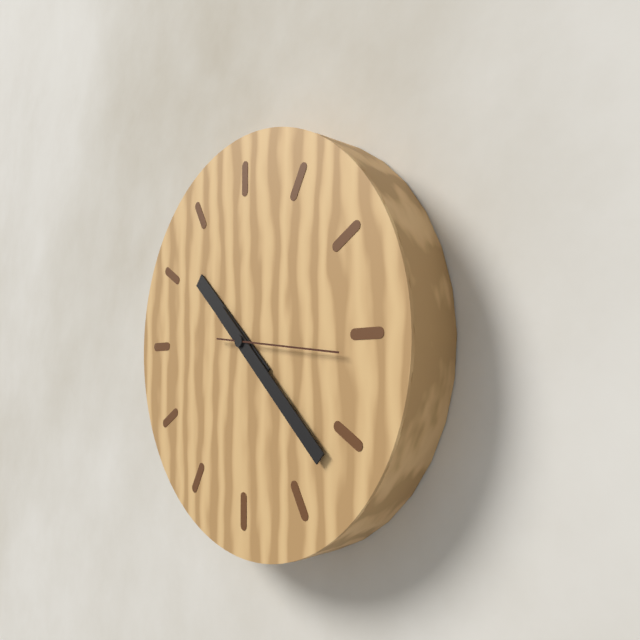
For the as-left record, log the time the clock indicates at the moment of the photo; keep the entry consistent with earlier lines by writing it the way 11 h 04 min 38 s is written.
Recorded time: 10 h 22 min 16 s
